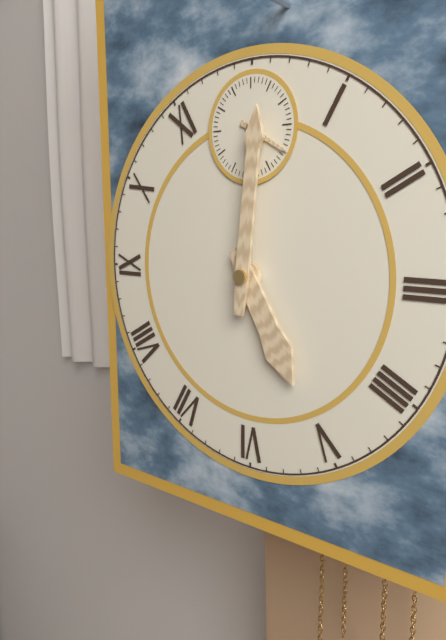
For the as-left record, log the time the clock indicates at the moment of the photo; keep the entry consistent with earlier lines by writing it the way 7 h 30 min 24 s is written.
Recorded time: 5 h 01 min 20 s
